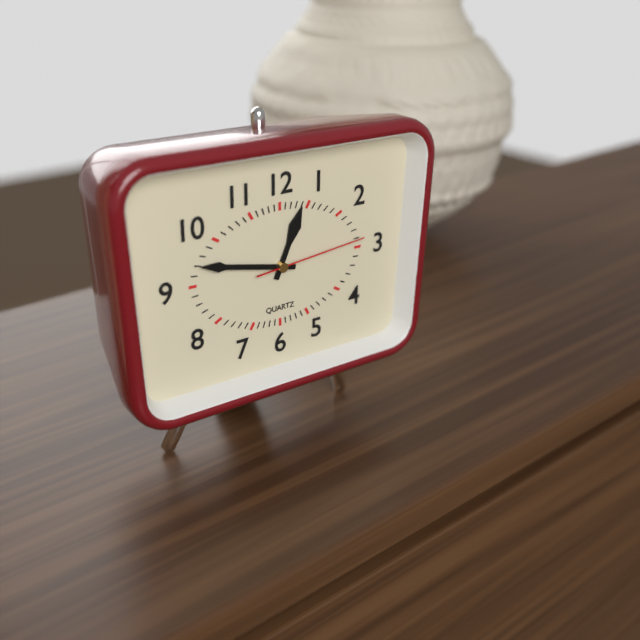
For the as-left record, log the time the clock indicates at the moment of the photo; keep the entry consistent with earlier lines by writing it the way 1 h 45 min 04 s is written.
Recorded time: 12 h 47 min 14 s
